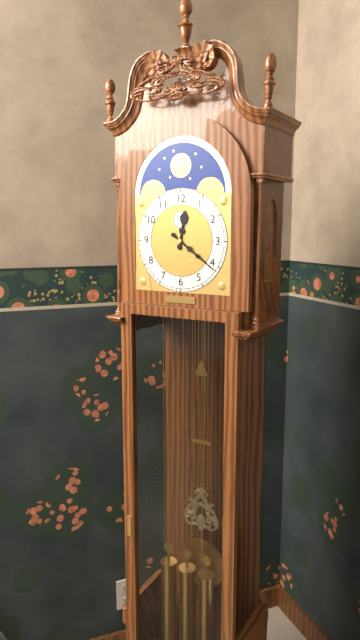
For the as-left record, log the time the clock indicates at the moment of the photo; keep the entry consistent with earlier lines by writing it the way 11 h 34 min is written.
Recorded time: 12 h 21 min
